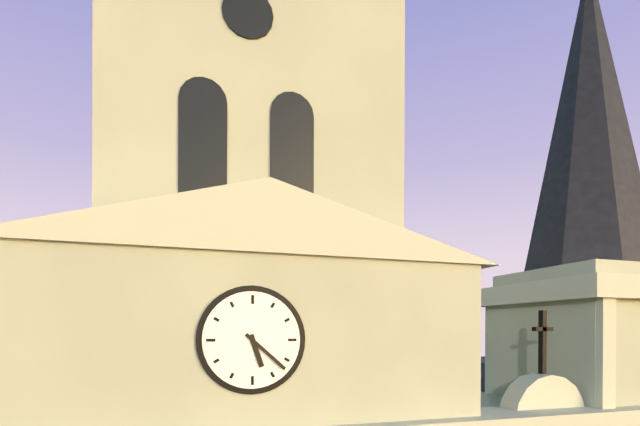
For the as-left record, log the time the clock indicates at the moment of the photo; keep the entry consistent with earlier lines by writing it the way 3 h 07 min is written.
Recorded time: 5 h 22 min
